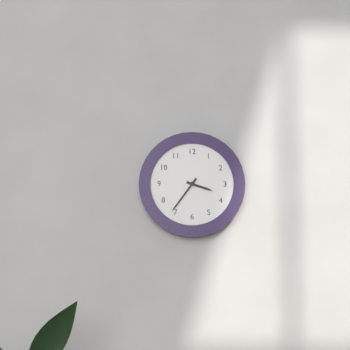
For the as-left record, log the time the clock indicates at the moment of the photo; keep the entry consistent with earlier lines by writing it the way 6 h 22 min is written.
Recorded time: 3 h 36 min
